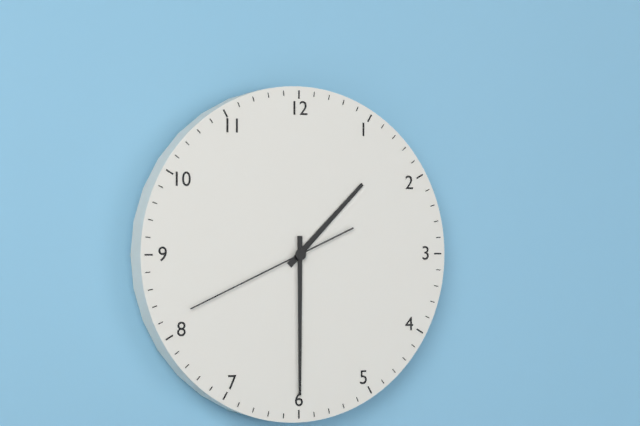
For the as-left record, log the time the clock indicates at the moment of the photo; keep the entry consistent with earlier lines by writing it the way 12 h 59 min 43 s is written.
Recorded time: 1 h 30 min 41 s
